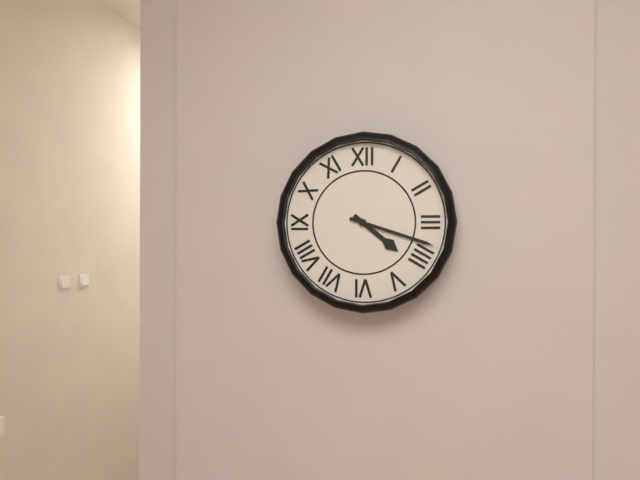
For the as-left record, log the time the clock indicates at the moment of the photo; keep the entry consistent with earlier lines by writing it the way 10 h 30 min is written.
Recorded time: 4 h 18 min
